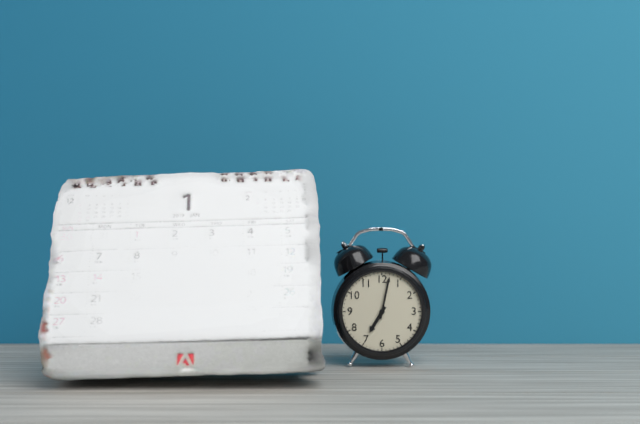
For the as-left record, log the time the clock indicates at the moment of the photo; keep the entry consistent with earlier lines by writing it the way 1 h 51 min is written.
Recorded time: 7 h 02 min
